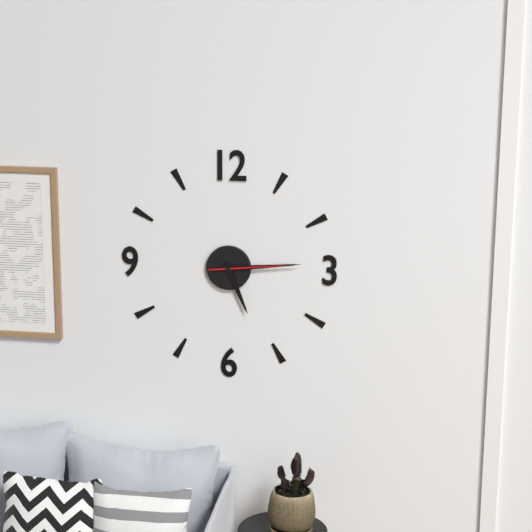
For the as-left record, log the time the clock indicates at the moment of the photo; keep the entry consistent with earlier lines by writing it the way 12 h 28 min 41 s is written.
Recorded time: 5 h 14 min 14 s
